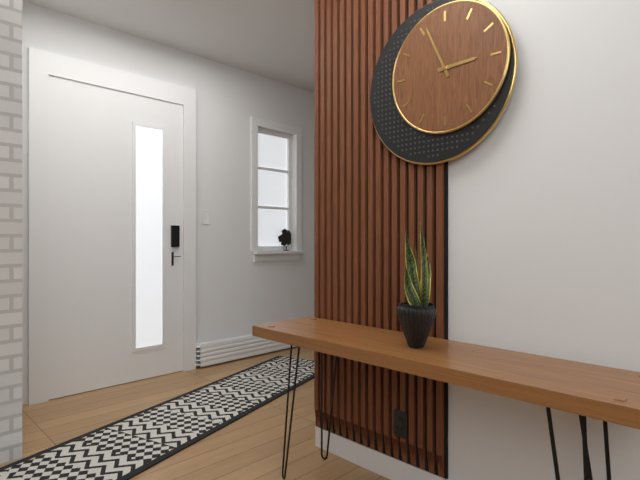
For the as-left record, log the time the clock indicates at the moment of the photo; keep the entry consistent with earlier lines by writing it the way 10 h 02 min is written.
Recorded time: 2 h 56 min
